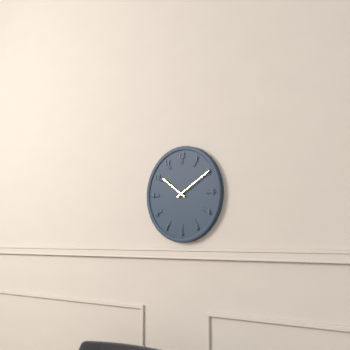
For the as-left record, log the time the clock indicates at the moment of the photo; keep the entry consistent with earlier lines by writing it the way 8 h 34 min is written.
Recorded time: 10 h 10 min
